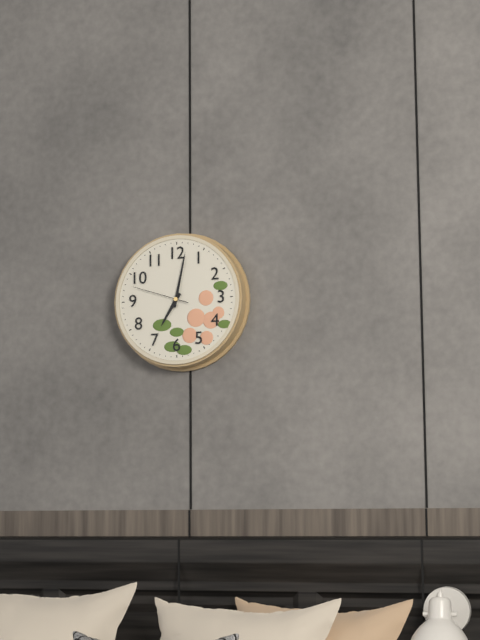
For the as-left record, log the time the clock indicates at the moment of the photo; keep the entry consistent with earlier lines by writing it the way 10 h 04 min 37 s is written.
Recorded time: 7 h 02 min 48 s
